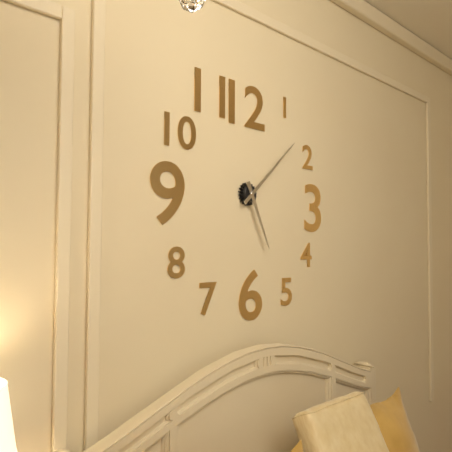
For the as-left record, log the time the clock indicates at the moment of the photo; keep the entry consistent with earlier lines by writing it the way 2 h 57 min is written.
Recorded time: 5 h 08 min
